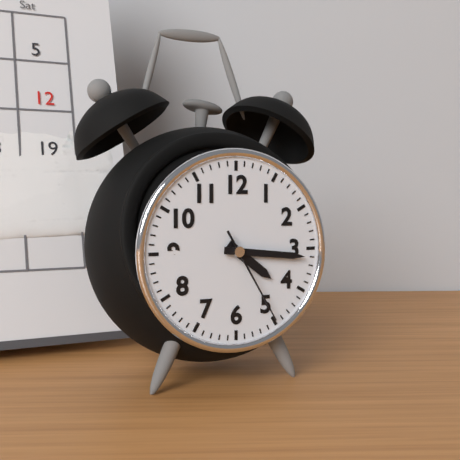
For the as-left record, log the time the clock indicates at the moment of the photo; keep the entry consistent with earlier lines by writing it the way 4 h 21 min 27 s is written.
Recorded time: 4 h 16 min 25 s
